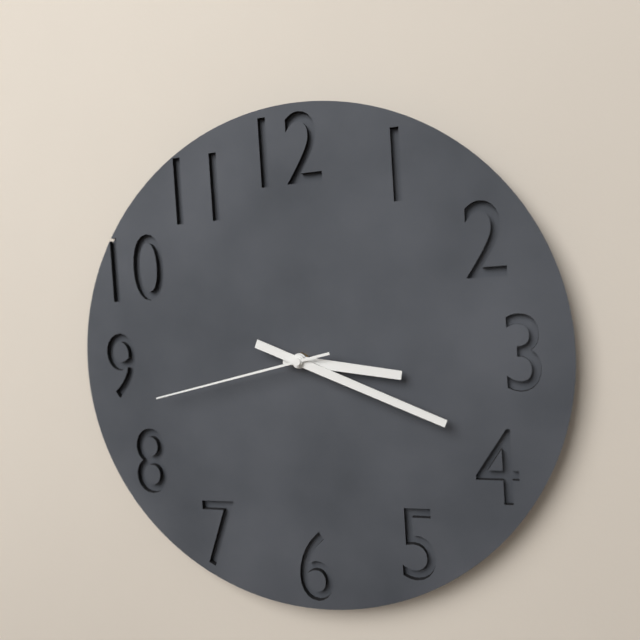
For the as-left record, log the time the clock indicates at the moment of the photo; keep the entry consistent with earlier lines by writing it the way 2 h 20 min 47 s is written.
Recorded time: 3 h 19 min 43 s
